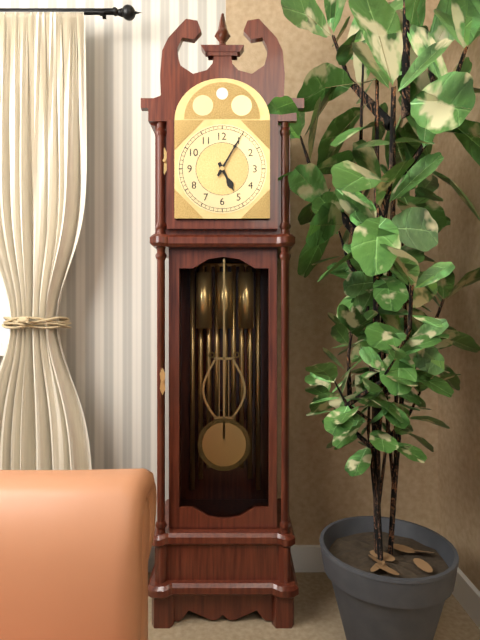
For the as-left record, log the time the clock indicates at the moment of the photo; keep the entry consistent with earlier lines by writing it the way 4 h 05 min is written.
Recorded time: 5 h 05 min
